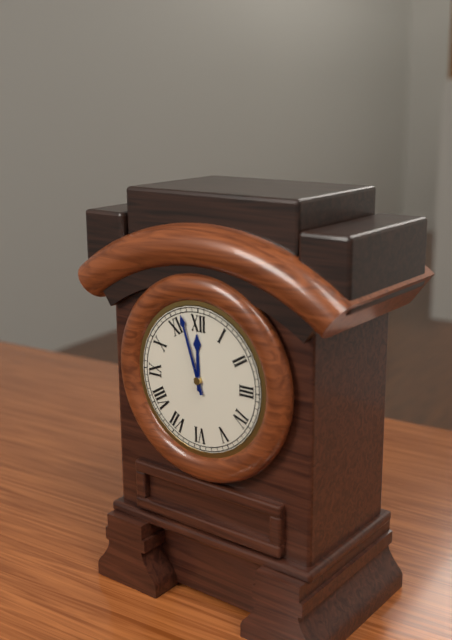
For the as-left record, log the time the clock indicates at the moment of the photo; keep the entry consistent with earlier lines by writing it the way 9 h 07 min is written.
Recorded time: 11 h 57 min
